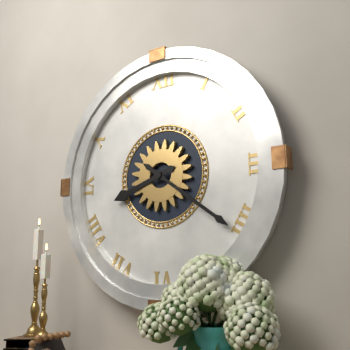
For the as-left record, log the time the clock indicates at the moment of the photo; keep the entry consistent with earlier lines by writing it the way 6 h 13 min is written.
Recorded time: 8 h 21 min
